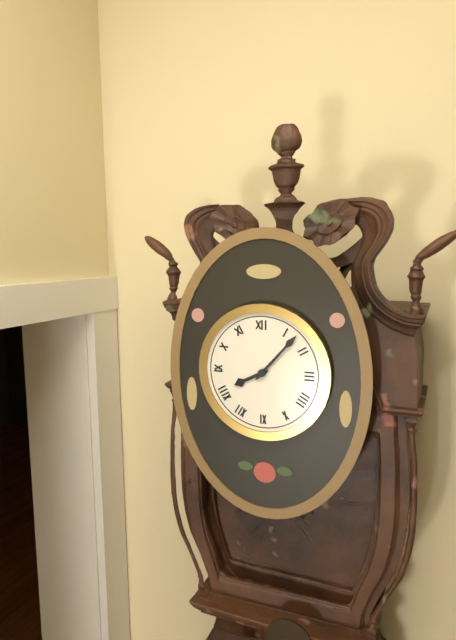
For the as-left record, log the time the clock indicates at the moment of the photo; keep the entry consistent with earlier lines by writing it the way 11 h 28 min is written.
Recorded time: 8 h 07 min
